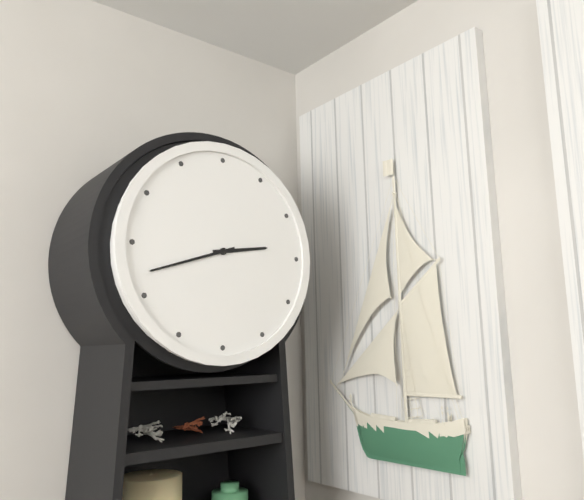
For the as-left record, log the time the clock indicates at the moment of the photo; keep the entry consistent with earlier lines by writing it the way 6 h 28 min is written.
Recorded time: 2 h 42 min
